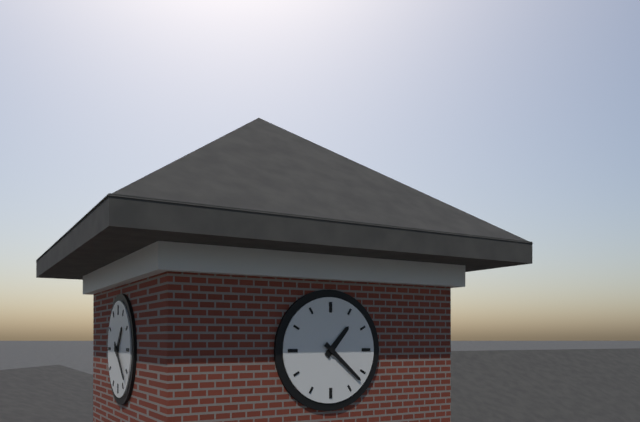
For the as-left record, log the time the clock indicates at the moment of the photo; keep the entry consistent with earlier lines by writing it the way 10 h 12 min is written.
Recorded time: 1 h 22 min
